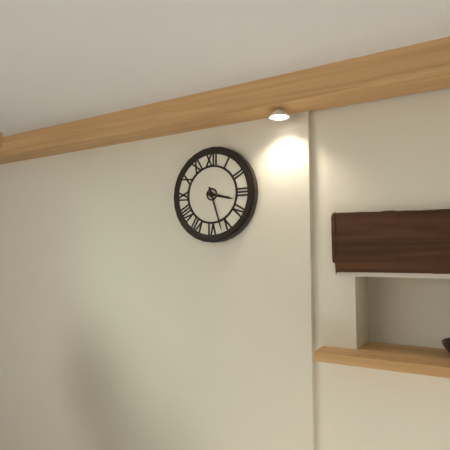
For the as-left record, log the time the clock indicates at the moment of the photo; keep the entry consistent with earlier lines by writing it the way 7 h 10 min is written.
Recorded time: 3 h 27 min
